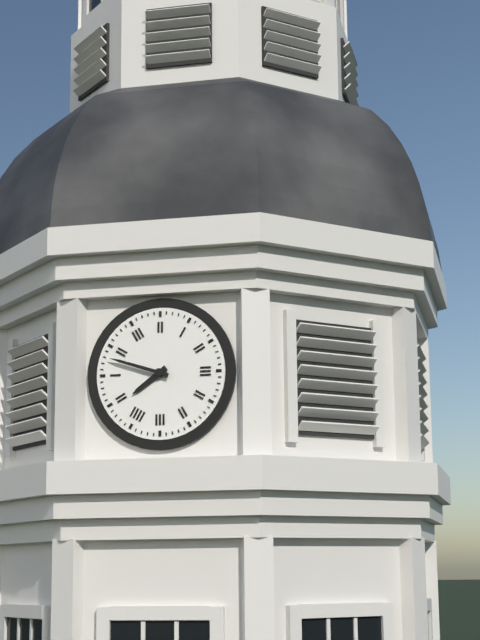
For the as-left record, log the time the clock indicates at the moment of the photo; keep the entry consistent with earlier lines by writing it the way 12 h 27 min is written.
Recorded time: 7 h 48 min
